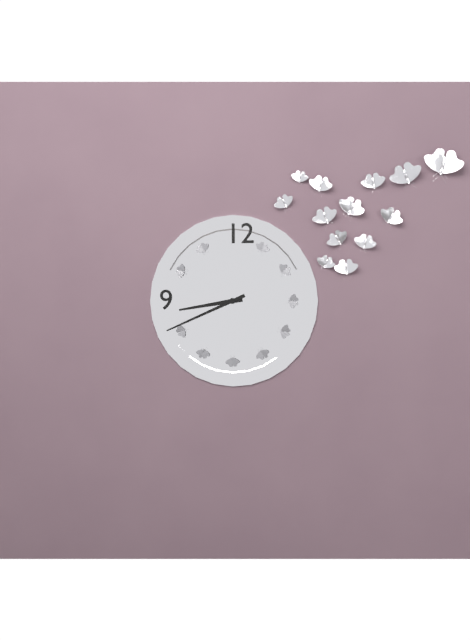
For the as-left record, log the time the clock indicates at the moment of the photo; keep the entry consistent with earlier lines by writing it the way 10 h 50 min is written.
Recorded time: 8 h 41 min
